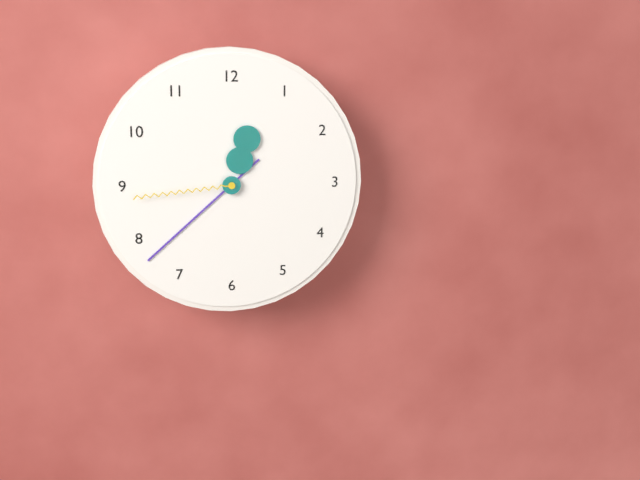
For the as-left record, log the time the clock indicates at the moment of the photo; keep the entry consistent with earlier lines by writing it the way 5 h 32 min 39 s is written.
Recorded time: 12 h 38 min 44 s
